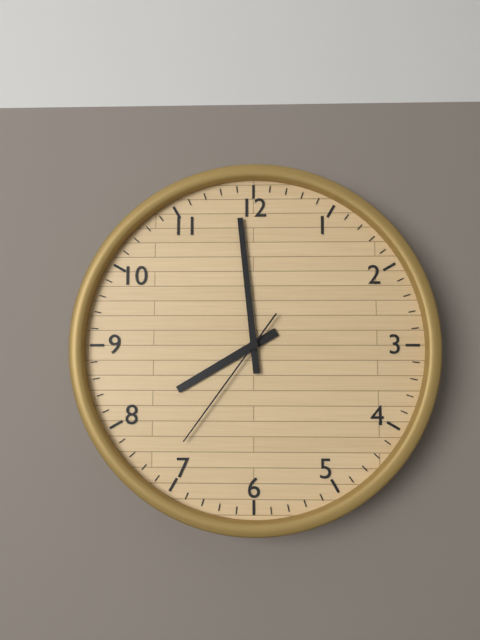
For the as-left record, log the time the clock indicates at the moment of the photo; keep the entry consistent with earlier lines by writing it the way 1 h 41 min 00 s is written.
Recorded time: 7 h 59 min 36 s
